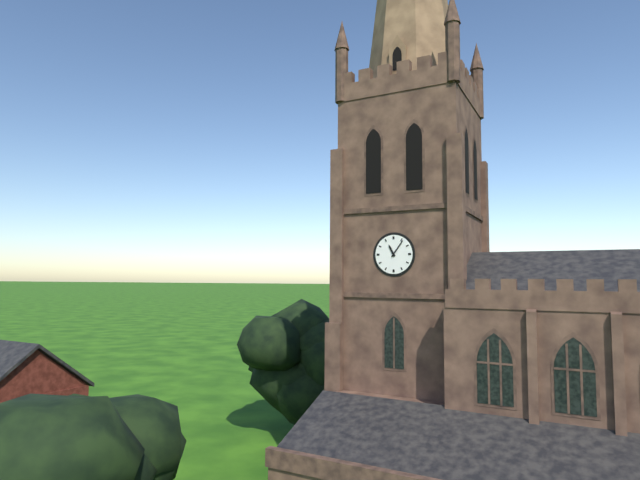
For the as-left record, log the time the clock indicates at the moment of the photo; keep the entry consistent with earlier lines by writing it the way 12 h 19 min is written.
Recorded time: 11 h 06 min
